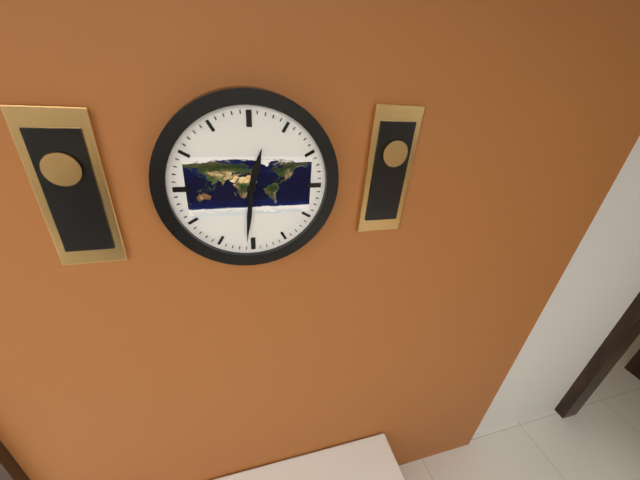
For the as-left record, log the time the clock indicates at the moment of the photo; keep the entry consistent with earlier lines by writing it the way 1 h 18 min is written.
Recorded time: 12 h 31 min
